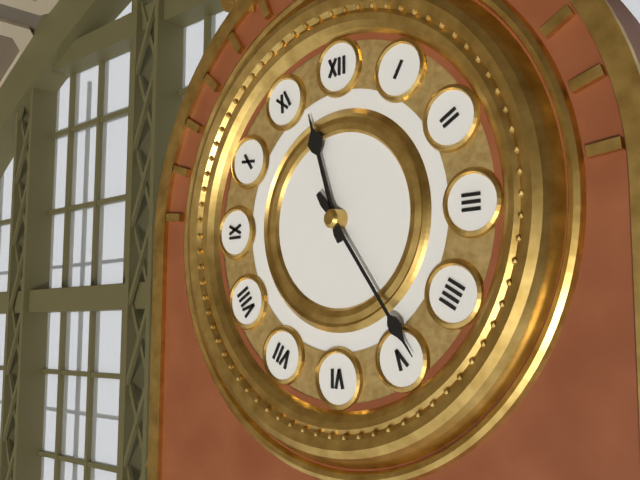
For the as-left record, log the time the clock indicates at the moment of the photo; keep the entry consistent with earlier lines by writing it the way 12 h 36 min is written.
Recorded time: 11 h 24 min
